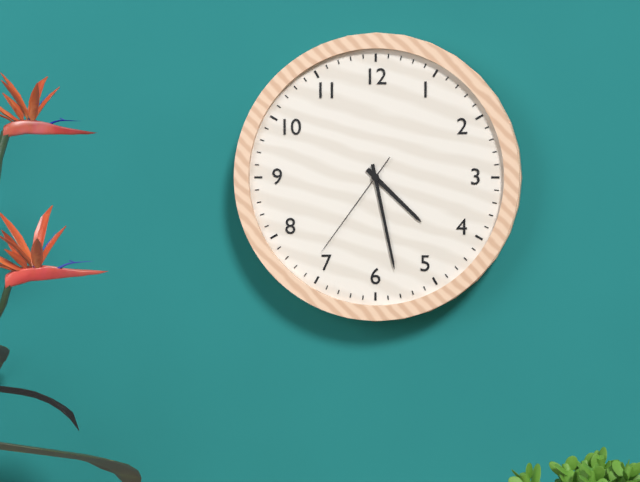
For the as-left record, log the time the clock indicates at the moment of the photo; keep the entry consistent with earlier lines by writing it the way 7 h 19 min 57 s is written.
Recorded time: 4 h 28 min 36 s
